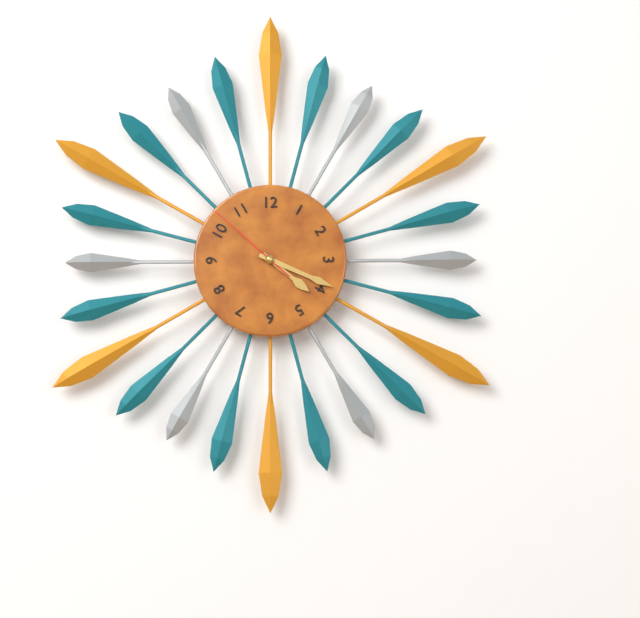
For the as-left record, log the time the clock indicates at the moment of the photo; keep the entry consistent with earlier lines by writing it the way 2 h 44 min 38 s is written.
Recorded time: 4 h 19 min 52 s
